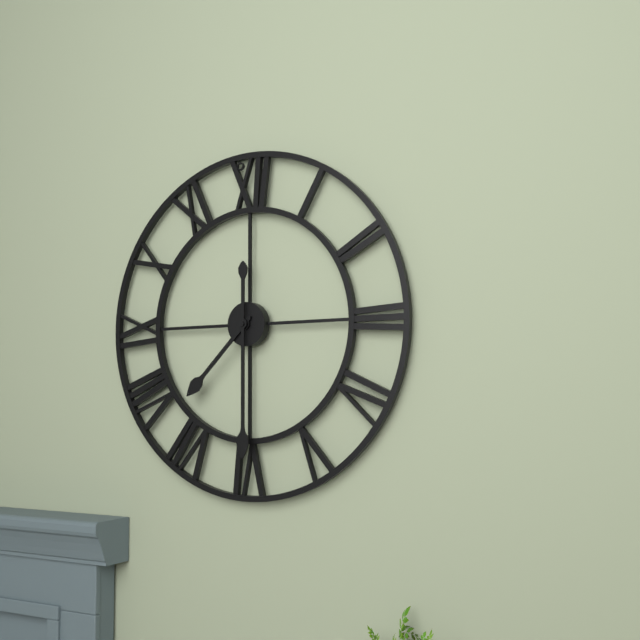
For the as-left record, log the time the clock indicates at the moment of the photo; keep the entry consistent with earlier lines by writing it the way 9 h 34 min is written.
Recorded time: 7 h 30 min
